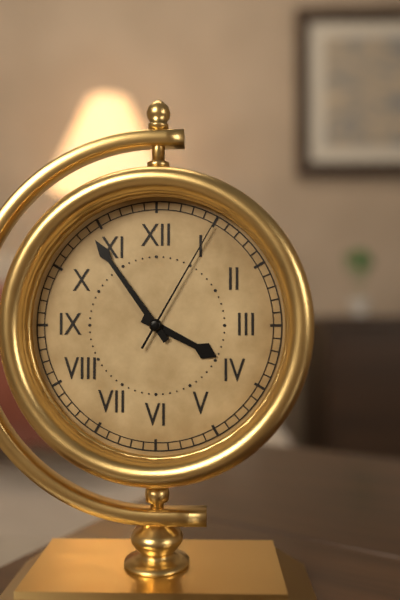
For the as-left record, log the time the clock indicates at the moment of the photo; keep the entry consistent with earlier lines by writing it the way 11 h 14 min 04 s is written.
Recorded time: 3 h 54 min 05 s
